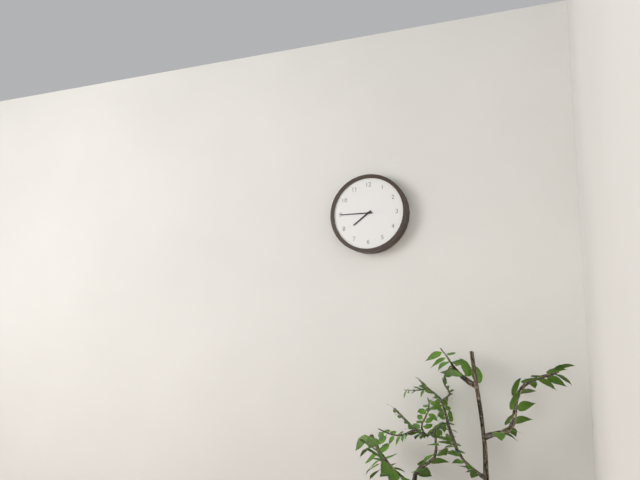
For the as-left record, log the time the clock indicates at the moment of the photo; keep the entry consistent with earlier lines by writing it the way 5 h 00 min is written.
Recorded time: 7 h 45 min
